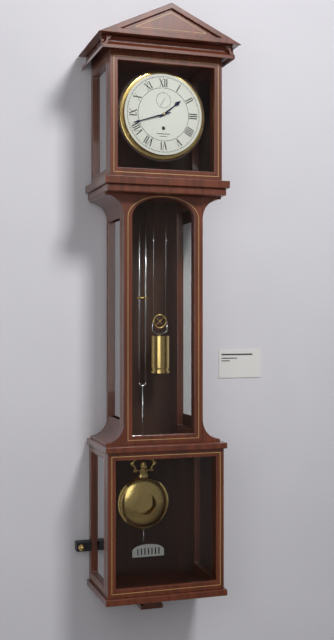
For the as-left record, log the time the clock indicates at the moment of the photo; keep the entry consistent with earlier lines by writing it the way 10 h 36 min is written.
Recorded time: 1 h 42 min
